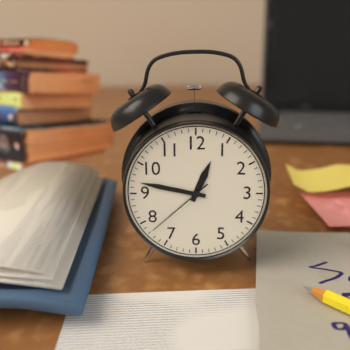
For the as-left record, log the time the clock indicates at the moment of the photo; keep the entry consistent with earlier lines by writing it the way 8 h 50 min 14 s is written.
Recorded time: 12 h 47 min 38 s
